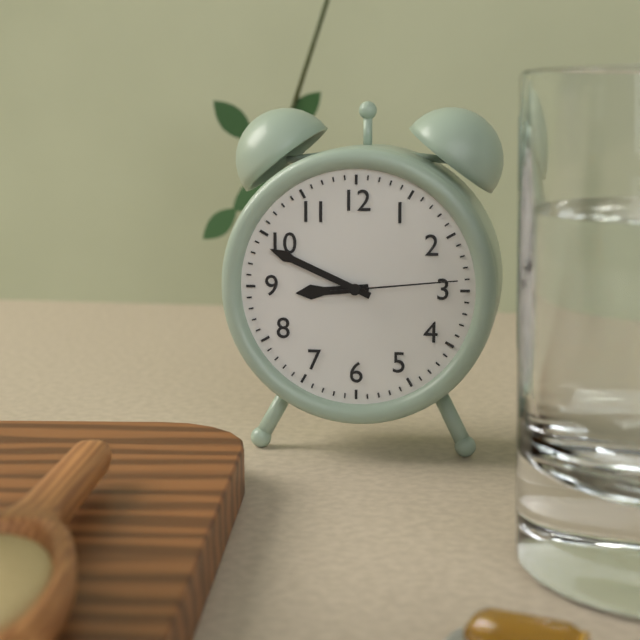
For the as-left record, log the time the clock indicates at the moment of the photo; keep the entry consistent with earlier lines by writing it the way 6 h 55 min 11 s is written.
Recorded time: 8 h 49 min 14 s
